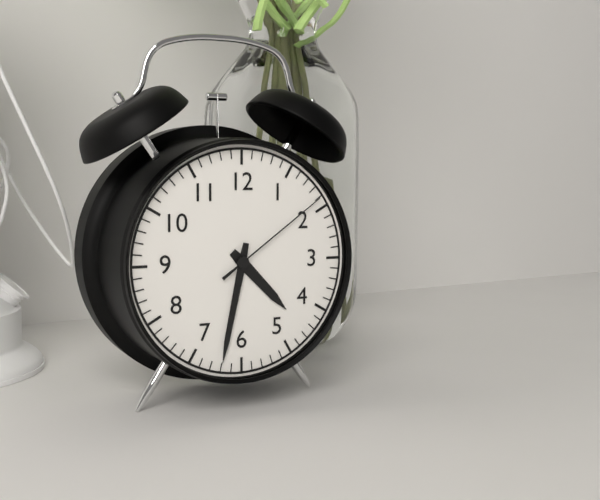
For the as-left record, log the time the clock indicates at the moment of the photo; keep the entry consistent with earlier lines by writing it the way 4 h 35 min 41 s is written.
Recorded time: 4 h 32 min 09 s
